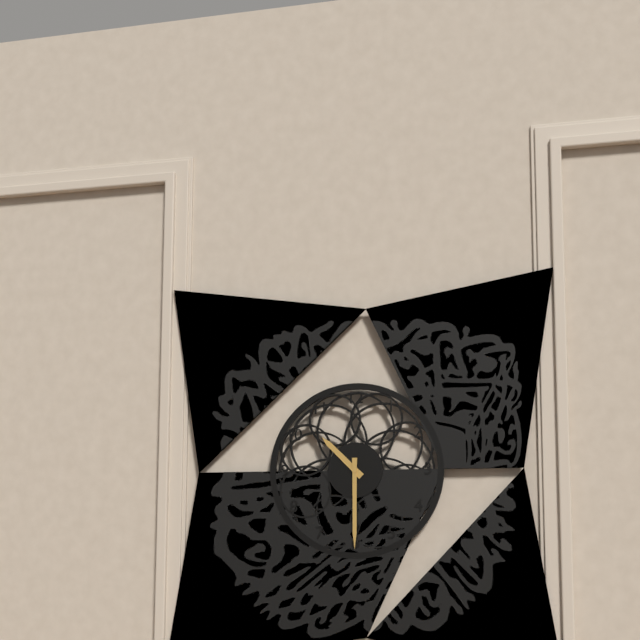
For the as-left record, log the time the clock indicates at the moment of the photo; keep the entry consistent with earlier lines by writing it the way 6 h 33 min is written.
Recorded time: 10 h 30 min
